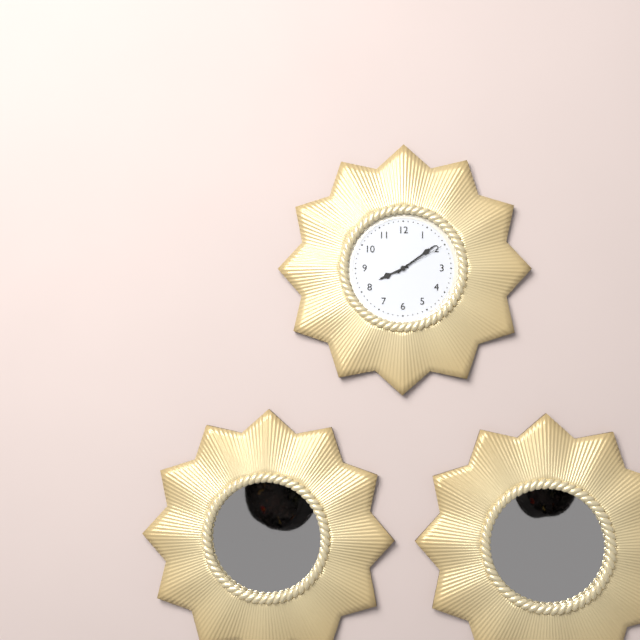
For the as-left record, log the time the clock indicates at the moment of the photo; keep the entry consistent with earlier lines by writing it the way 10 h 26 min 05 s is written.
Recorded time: 8 h 09 min 10 s
